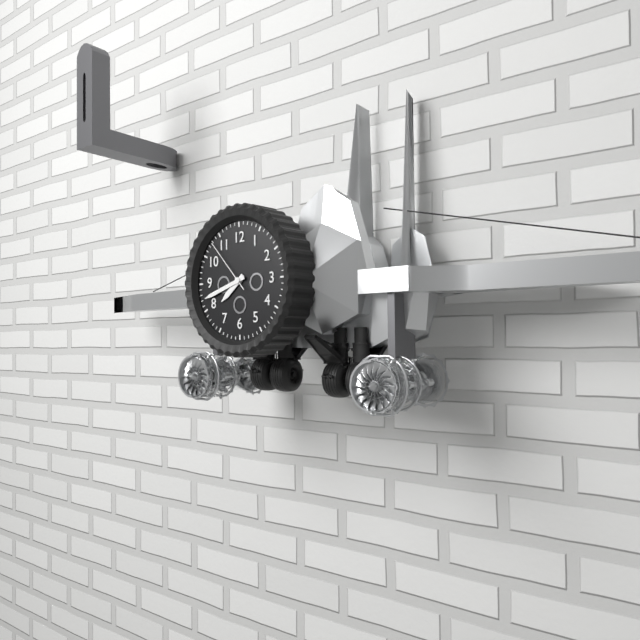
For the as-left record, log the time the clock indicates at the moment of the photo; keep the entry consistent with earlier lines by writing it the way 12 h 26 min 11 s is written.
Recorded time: 7 h 42 min 53 s
